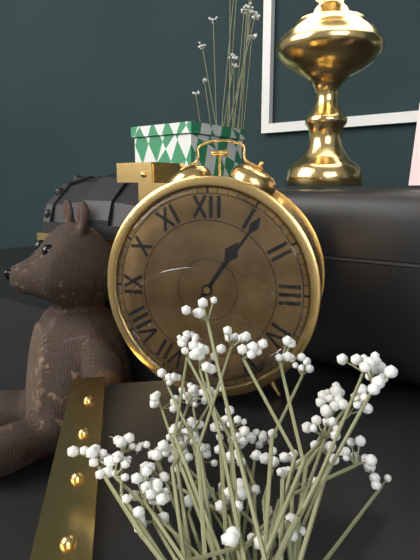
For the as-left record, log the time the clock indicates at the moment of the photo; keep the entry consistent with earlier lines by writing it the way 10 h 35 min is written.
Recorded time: 1 h 06 min
